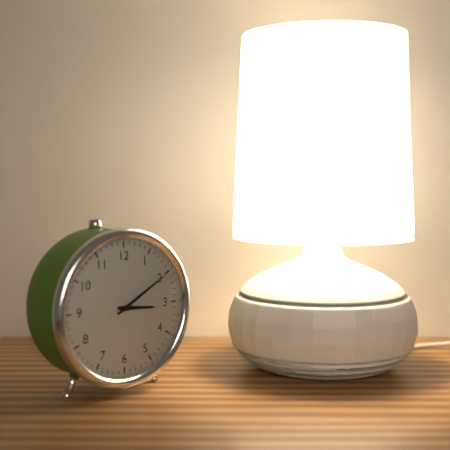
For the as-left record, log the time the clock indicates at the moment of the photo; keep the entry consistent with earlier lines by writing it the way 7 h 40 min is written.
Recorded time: 3 h 10 min
